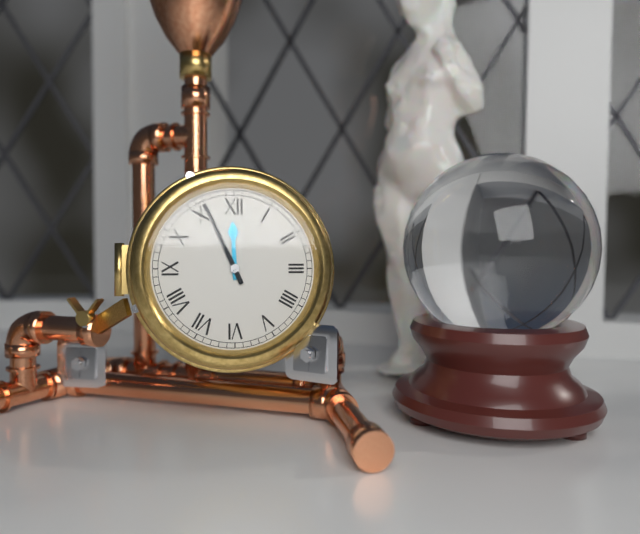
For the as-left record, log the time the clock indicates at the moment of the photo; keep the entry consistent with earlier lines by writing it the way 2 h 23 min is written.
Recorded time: 11 h 56 min
